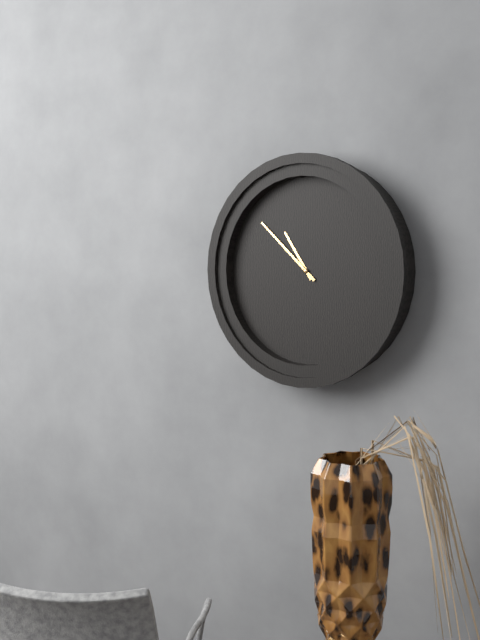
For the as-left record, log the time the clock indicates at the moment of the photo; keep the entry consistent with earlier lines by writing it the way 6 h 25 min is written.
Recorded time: 10 h 52 min
